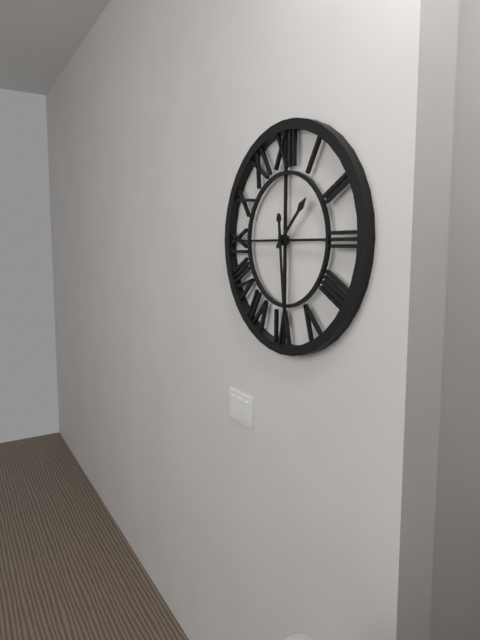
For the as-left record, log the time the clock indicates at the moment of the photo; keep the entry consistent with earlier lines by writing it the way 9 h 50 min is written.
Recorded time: 1 h 29 min
